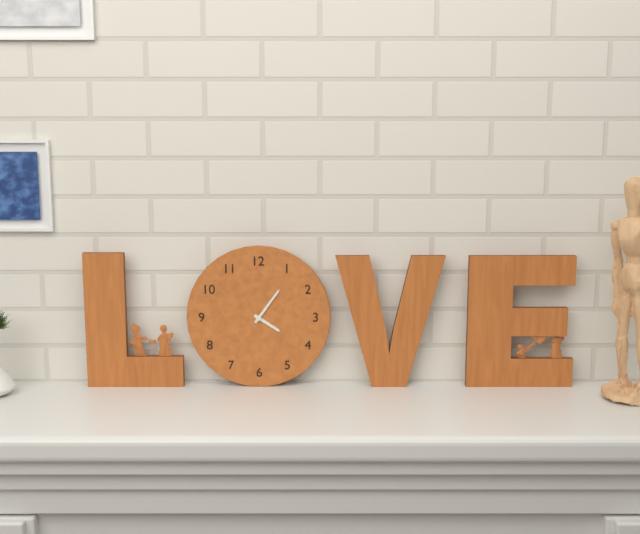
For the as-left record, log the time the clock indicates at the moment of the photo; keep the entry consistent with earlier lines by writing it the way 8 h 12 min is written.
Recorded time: 4 h 06 min
